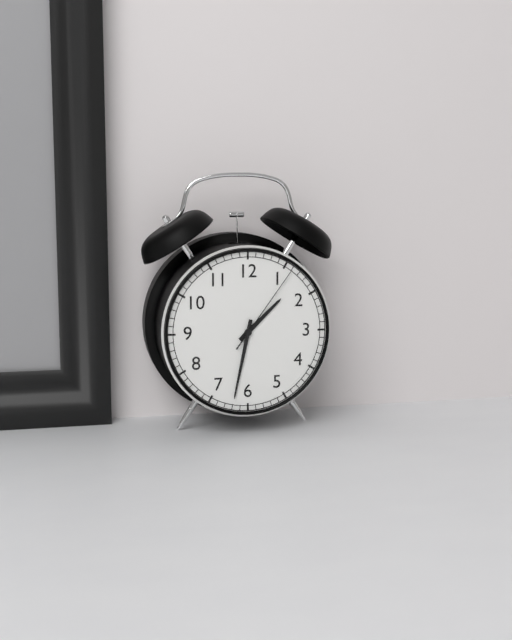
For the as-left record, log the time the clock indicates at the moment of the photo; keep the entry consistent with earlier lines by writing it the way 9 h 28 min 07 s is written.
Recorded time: 1 h 32 min 06 s
